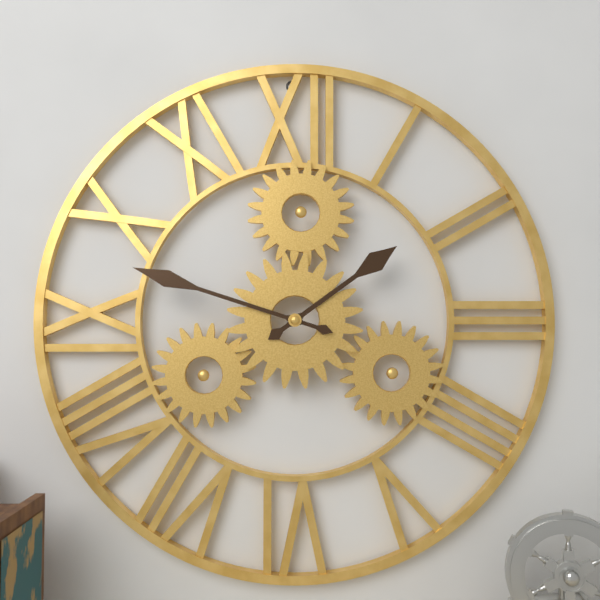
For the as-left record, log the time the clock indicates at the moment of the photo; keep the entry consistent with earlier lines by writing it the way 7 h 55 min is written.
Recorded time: 1 h 48 min
